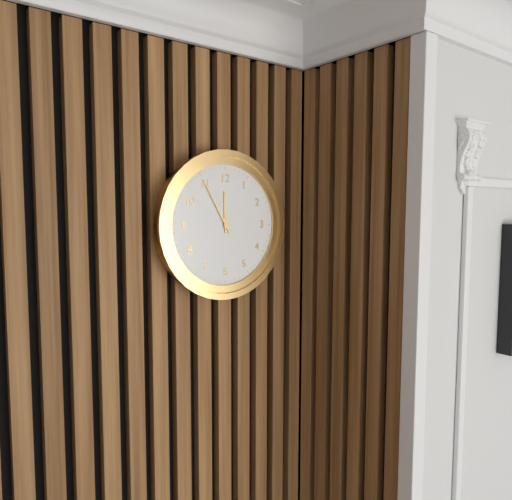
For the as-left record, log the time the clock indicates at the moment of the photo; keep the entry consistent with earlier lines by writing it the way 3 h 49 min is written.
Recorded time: 11 h 55 min
